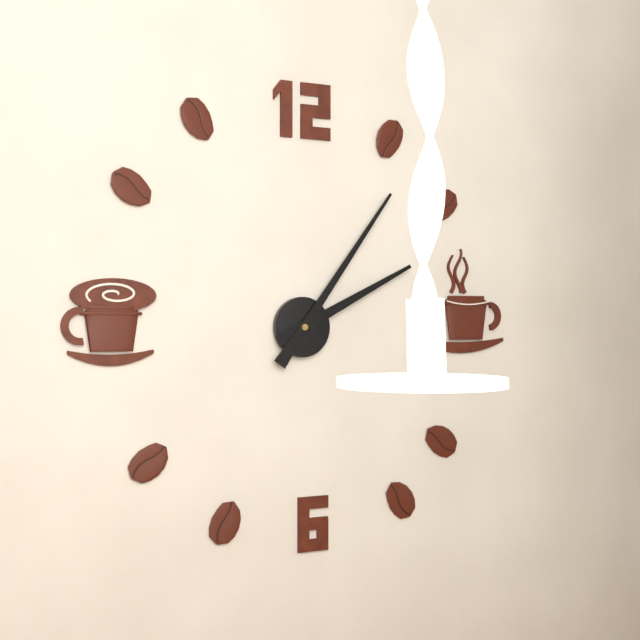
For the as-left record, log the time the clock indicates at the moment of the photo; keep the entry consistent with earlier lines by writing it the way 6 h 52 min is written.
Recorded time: 2 h 06 min
